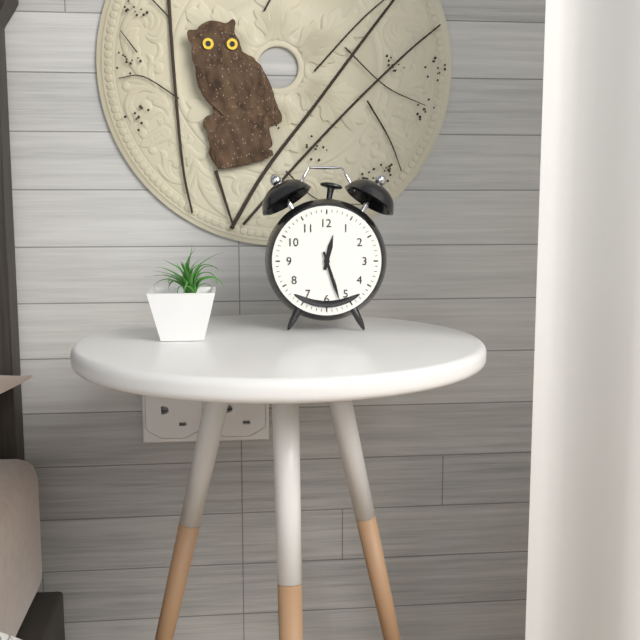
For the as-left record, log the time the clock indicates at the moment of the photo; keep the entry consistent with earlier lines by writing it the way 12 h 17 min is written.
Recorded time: 12 h 27 min
